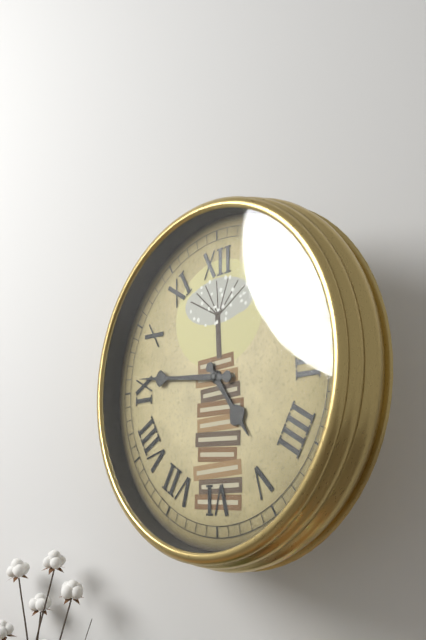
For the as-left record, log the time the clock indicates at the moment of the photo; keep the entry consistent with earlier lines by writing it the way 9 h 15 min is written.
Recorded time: 4 h 46 min
